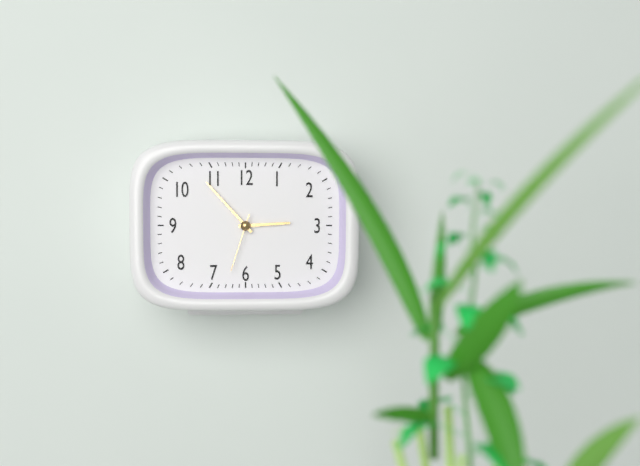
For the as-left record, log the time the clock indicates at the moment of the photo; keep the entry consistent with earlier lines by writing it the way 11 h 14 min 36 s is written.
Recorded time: 2 h 53 min 33 s
